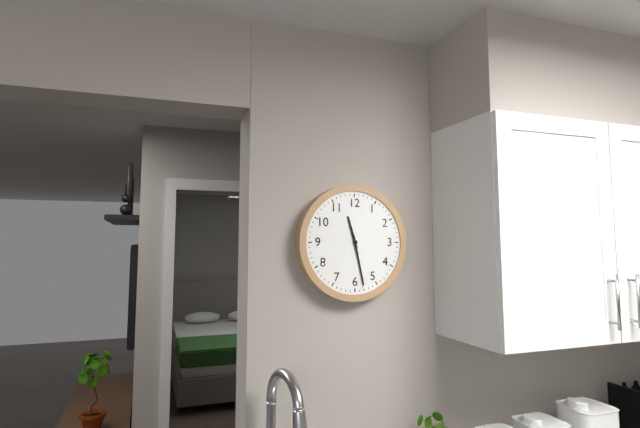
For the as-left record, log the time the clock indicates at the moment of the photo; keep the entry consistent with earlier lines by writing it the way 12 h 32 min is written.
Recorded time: 11 h 28 min
